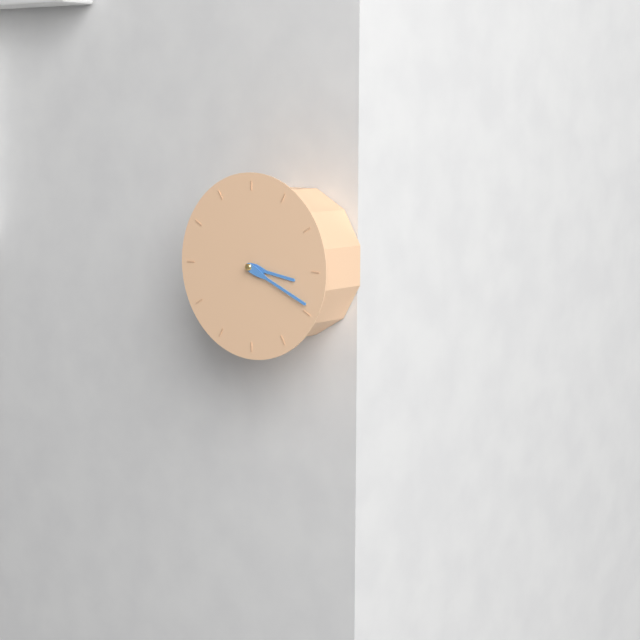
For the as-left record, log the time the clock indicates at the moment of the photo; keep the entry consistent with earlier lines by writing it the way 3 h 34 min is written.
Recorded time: 3 h 19 min
